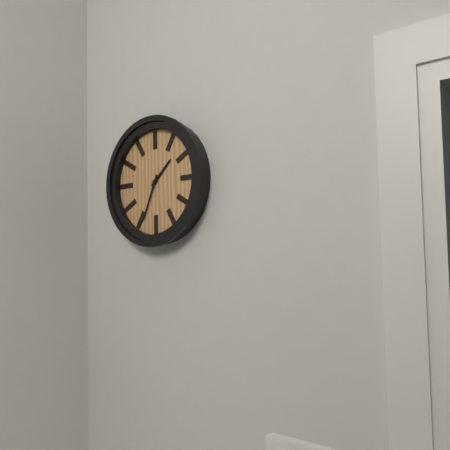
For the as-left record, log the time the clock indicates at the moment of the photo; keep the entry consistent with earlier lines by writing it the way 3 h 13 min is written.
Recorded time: 1 h 34 min
